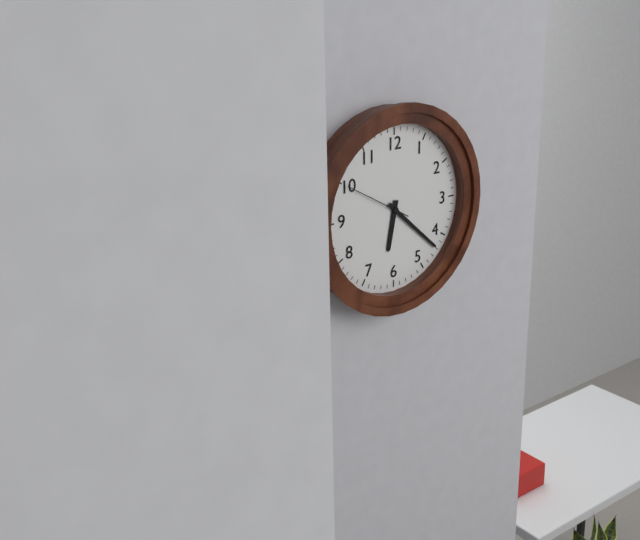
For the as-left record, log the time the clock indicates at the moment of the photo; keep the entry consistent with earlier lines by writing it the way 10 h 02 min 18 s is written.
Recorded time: 6 h 22 min 50 s
